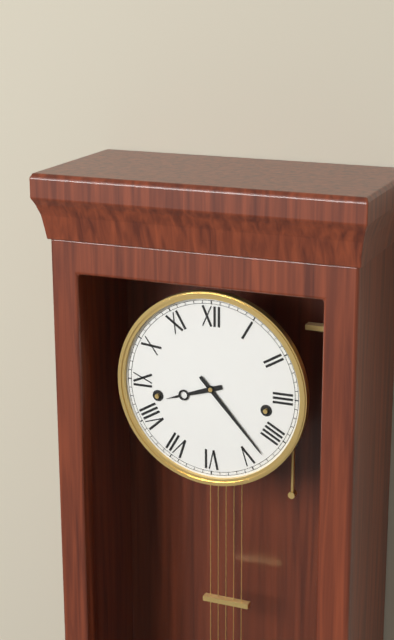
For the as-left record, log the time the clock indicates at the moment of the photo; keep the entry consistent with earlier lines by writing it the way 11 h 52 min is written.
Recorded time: 8 h 23 min
